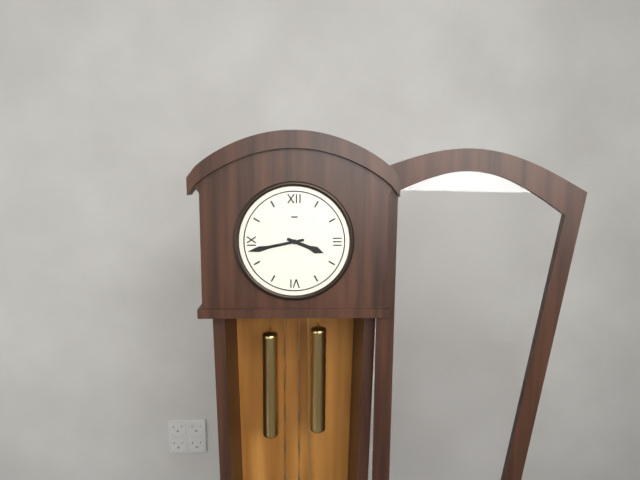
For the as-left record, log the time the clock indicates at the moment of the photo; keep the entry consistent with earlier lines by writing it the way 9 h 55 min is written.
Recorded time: 3 h 43 min
